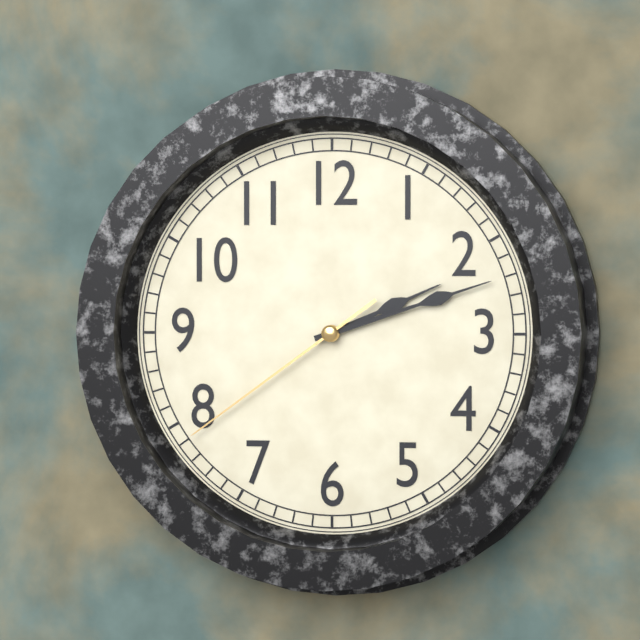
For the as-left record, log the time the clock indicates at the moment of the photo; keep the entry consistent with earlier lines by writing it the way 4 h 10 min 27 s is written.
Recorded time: 2 h 12 min 39 s
